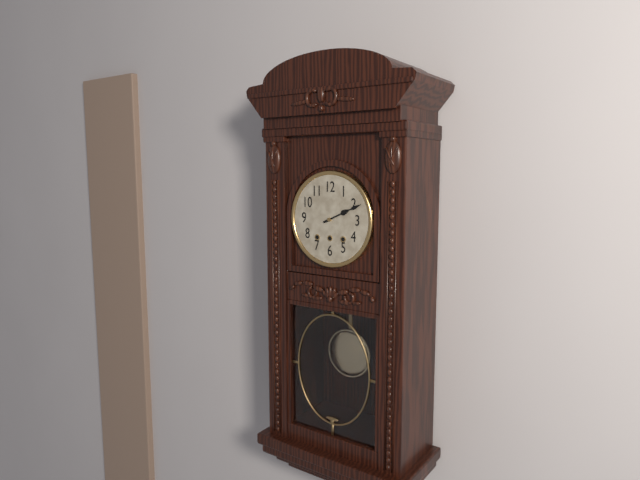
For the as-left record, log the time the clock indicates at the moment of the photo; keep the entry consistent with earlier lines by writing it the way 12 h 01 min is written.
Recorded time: 2 h 11 min
